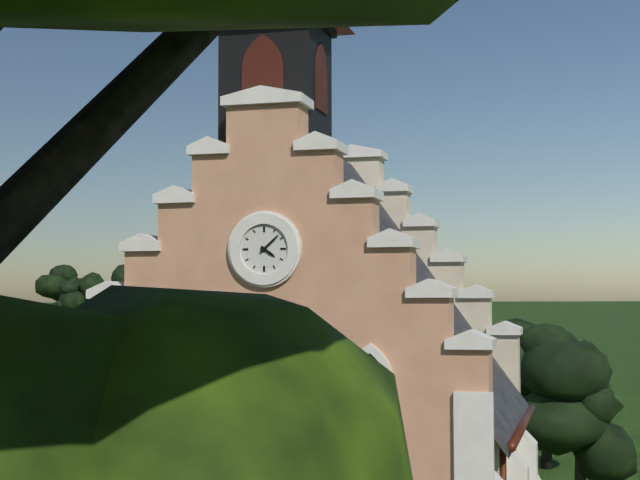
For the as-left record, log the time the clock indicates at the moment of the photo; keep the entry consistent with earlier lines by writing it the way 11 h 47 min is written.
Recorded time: 4 h 08 min
